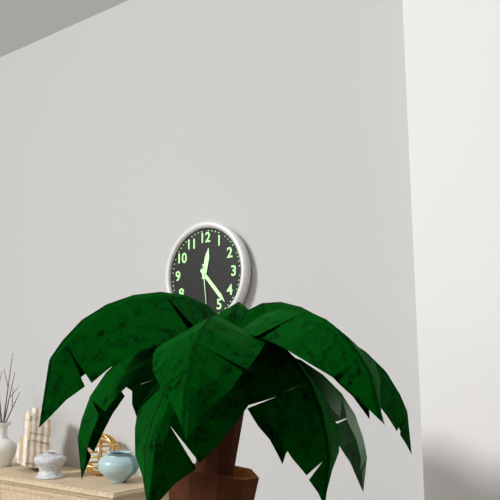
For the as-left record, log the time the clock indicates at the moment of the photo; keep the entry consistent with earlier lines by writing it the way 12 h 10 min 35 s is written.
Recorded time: 12 h 23 min 29 s
